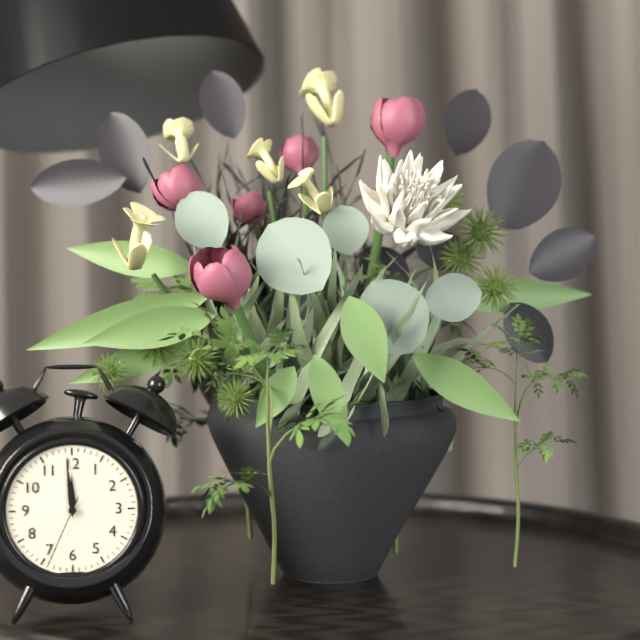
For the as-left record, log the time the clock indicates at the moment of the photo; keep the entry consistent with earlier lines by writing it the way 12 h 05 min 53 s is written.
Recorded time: 11 h 59 min 34 s
